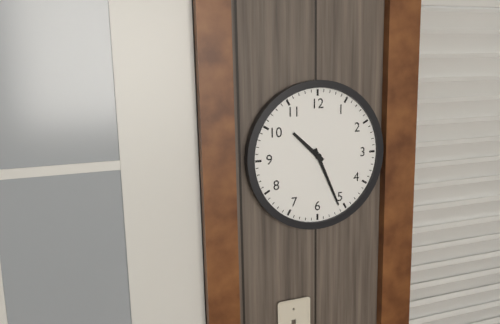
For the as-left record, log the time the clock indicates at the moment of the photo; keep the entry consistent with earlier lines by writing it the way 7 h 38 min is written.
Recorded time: 10 h 26 min
